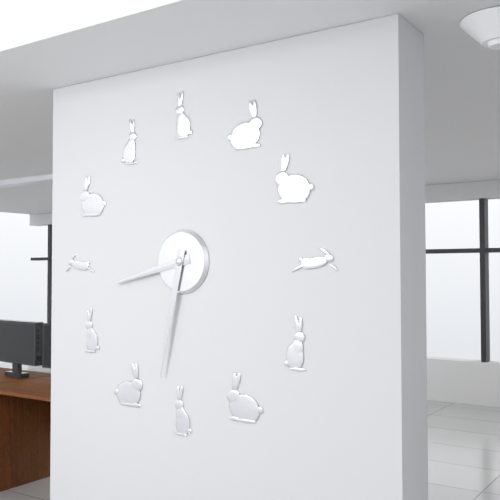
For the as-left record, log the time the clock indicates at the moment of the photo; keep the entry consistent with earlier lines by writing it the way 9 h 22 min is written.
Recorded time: 8 h 32 min
